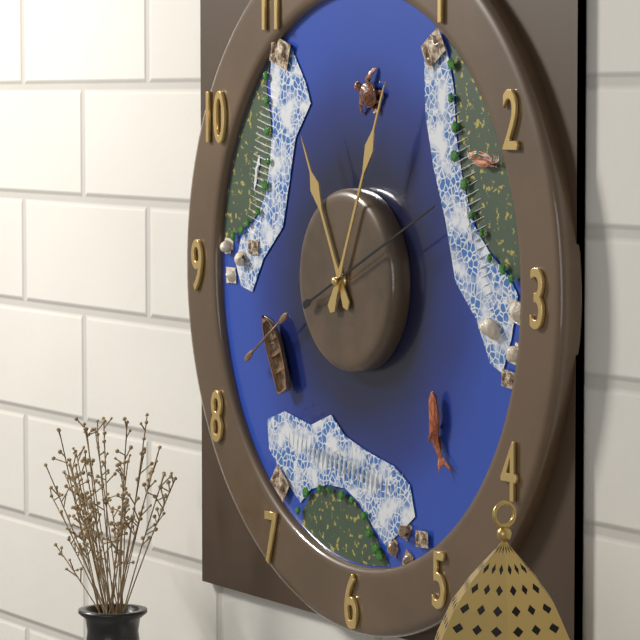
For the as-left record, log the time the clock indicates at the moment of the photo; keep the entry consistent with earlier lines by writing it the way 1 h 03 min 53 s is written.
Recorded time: 11 h 04 min 11 s
